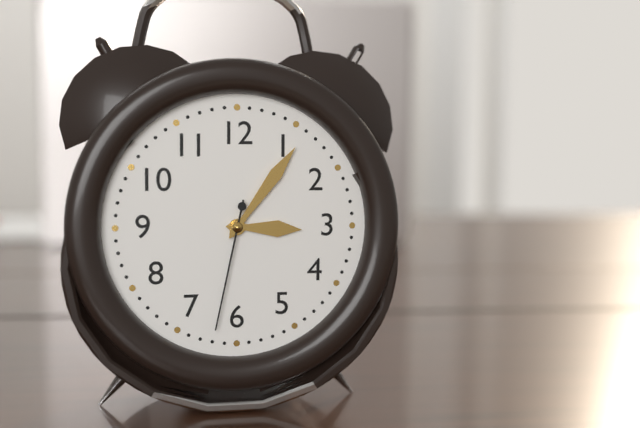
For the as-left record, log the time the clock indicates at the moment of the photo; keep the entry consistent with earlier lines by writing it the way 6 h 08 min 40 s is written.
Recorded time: 3 h 06 min 32 s
